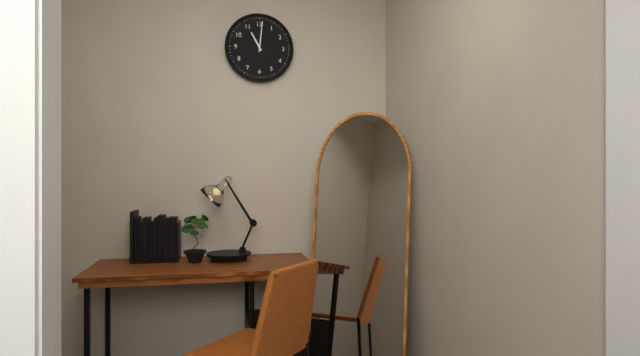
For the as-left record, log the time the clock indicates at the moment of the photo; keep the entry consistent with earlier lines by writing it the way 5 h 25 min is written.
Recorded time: 11 h 01 min
